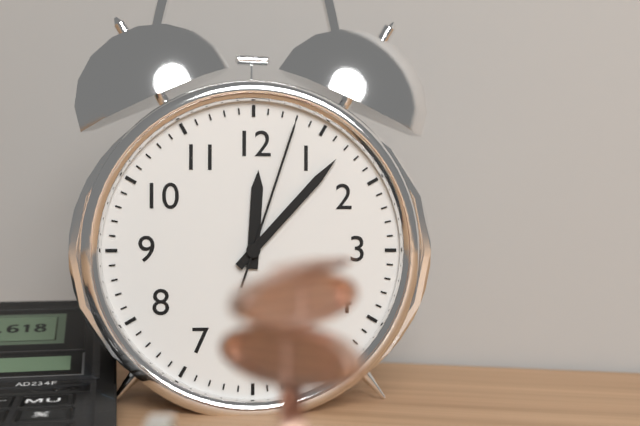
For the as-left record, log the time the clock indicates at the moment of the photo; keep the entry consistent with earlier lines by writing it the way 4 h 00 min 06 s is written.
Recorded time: 12 h 07 min 03 s
